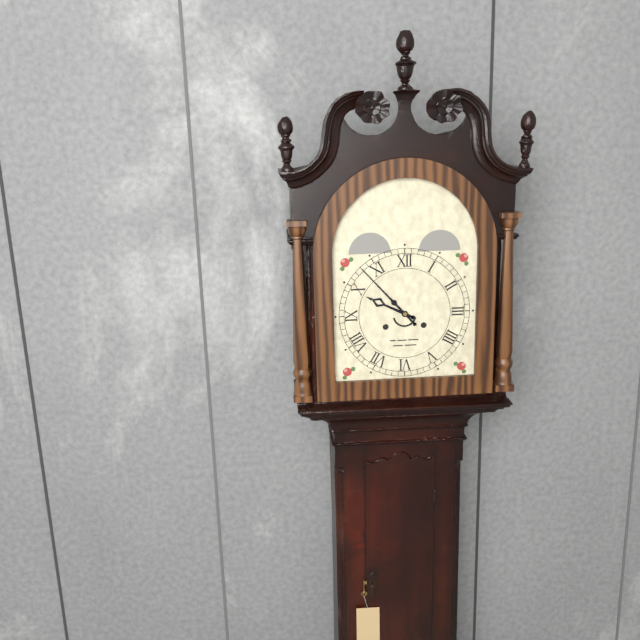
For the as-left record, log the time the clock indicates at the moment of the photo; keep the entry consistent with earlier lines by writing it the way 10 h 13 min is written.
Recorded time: 9 h 53 min
